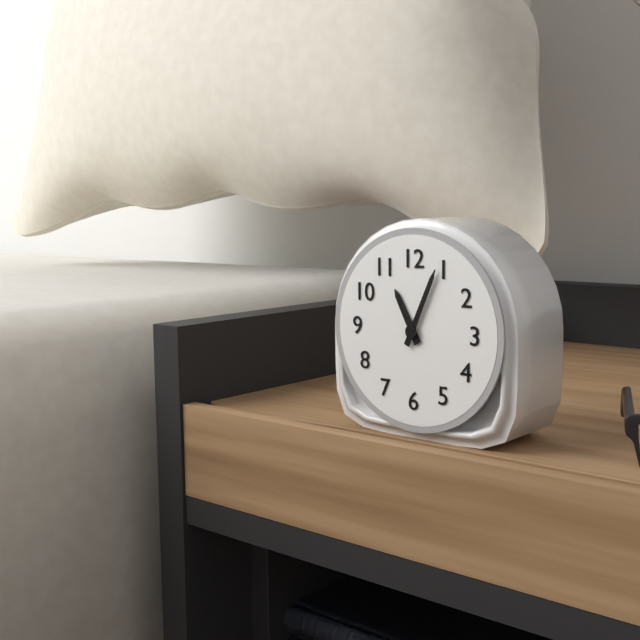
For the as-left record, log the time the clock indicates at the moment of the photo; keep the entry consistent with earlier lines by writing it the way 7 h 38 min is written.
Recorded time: 11 h 04 min
